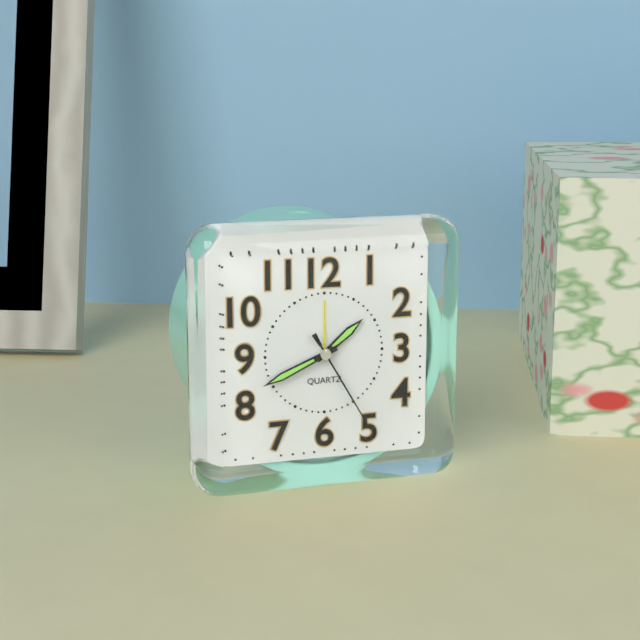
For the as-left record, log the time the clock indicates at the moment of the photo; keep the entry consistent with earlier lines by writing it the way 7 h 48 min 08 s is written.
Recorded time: 1 h 41 min 25 s
